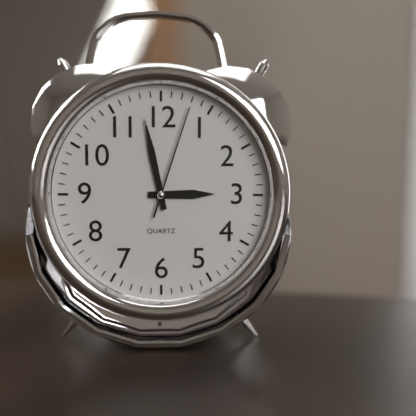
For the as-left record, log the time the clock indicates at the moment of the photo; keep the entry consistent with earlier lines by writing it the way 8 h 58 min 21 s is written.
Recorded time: 2 h 58 min 03 s
